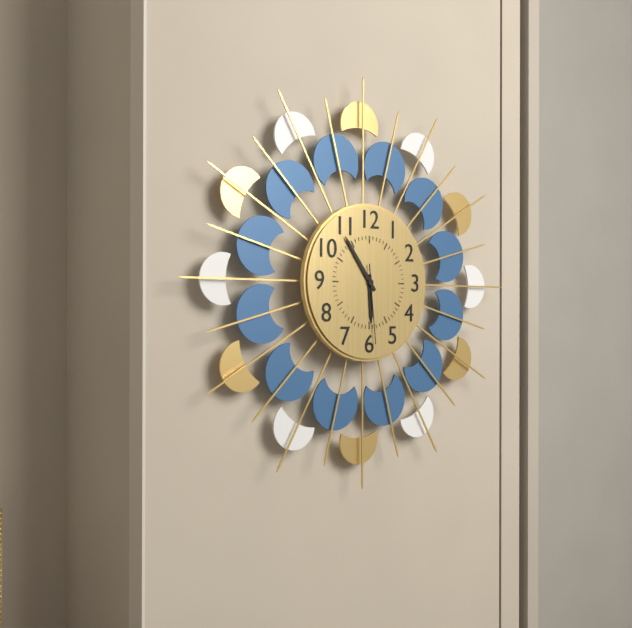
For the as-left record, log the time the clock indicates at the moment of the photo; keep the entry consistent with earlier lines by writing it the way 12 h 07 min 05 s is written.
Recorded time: 5 h 54 min 29 s
